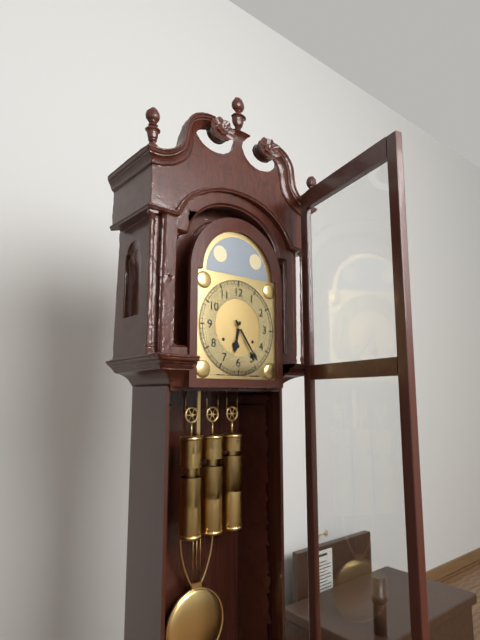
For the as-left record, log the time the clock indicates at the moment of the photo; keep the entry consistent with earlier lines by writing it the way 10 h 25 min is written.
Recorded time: 6 h 24 min
